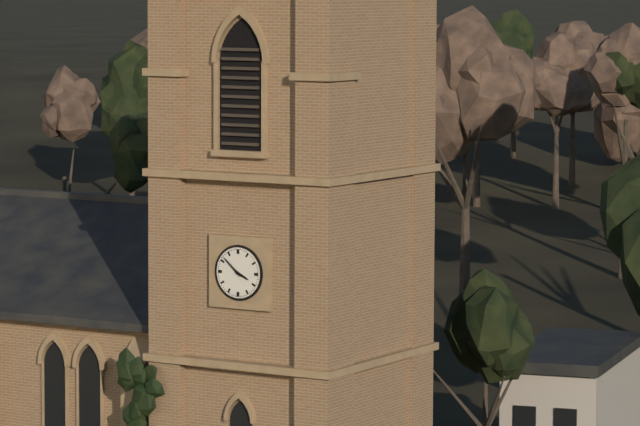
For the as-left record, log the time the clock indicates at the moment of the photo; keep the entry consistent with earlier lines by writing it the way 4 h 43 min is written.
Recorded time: 3 h 52 min
